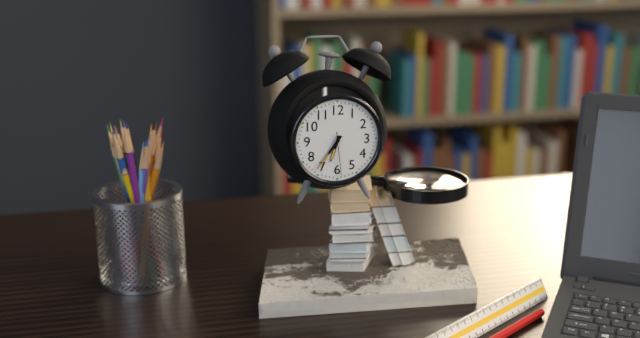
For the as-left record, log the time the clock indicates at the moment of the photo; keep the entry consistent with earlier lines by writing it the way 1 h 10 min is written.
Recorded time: 6 h 36 min
